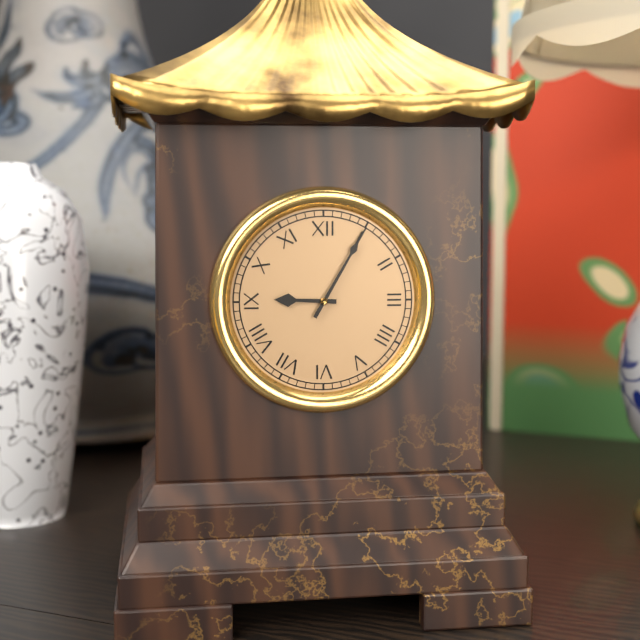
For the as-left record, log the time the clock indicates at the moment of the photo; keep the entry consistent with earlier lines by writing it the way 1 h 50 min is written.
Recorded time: 9 h 05 min
